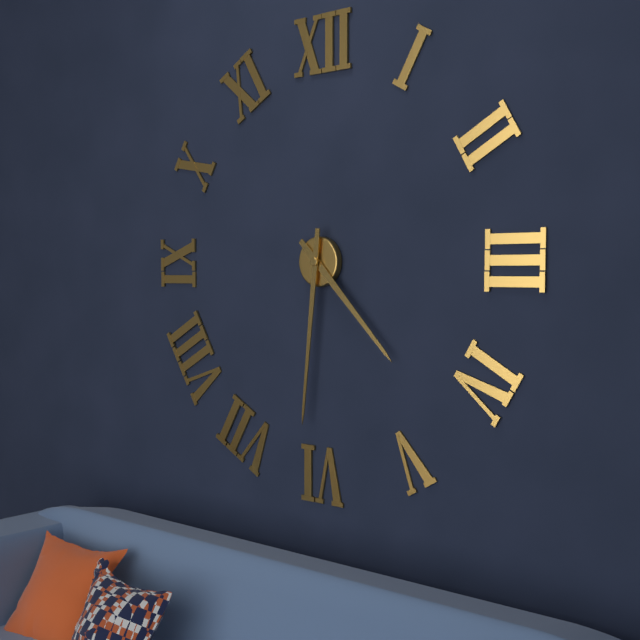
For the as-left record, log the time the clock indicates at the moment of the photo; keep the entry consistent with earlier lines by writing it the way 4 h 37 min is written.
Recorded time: 4 h 31 min
